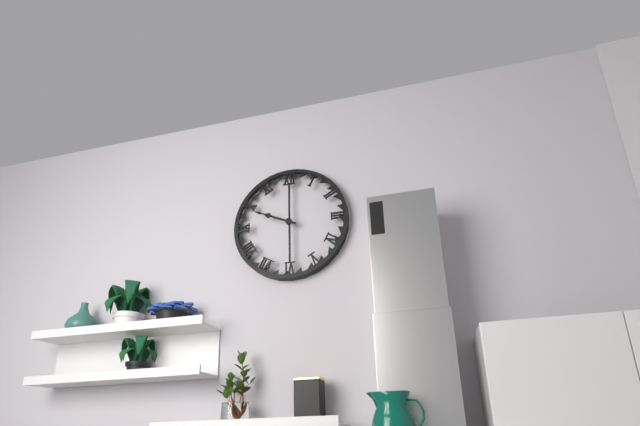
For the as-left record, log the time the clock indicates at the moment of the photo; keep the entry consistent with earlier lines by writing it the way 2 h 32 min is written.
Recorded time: 9 h 49 min
